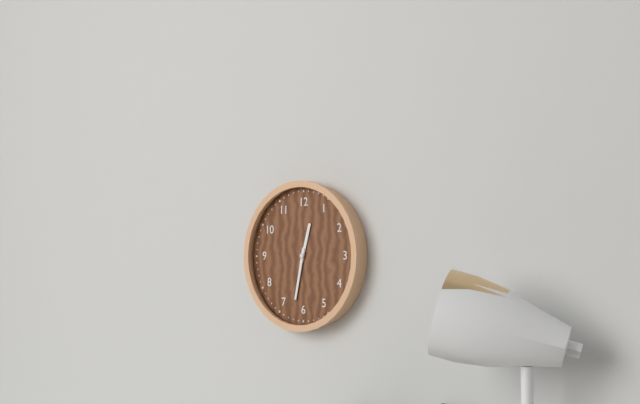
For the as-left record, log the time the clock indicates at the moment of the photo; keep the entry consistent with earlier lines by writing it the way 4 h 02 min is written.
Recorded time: 12 h 32 min
